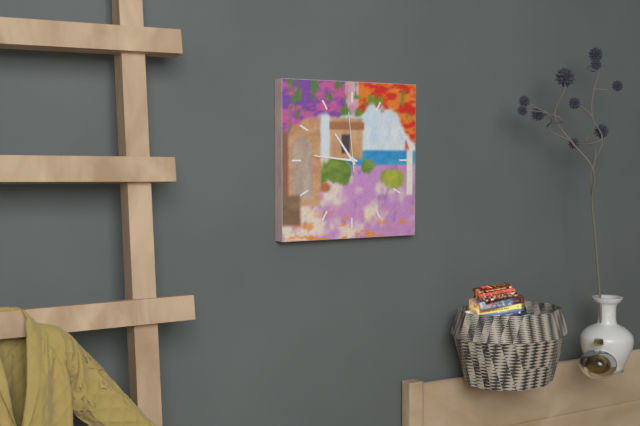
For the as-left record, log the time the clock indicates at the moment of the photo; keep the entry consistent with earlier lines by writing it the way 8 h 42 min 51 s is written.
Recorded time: 10 h 46 min 59 s
